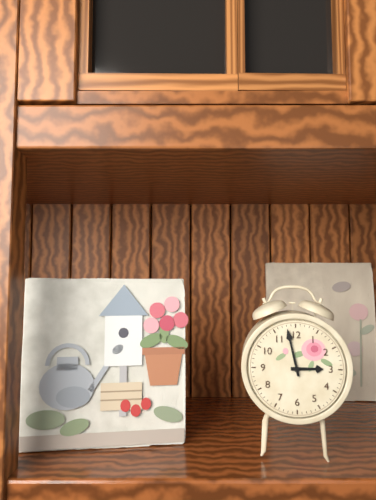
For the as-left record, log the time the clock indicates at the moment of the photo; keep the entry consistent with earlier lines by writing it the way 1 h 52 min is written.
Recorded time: 2 h 58 min
